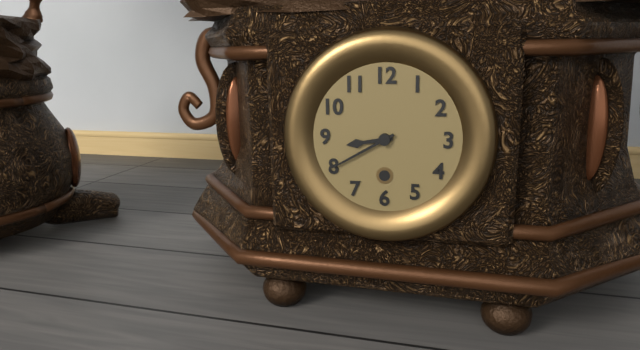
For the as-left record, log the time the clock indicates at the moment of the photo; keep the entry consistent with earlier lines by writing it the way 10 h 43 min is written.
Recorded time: 8 h 40 min
